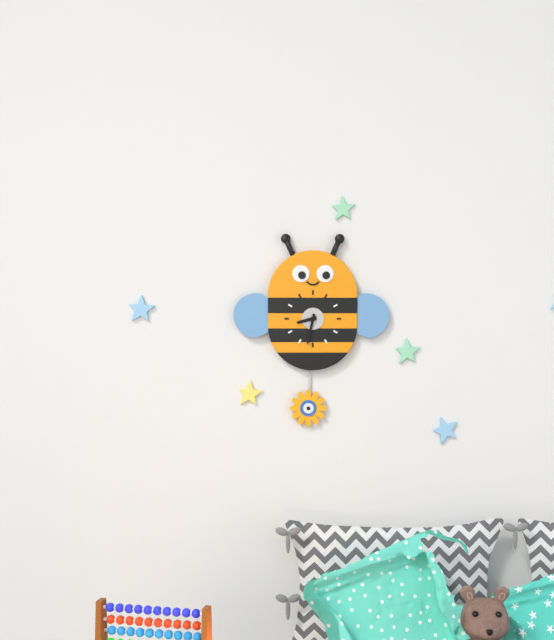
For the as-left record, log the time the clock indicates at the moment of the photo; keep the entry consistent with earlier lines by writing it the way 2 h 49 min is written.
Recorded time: 8 h 32 min
